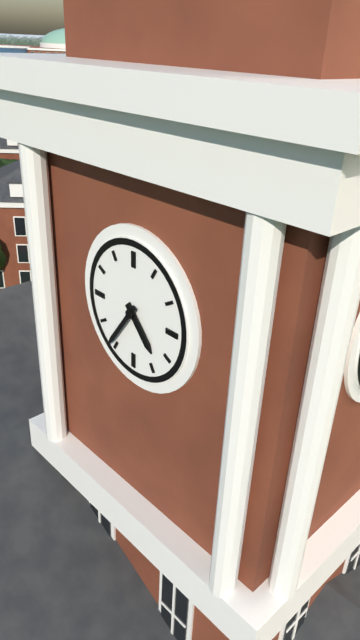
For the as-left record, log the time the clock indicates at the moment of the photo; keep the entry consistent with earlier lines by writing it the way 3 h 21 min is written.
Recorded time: 4 h 36 min
